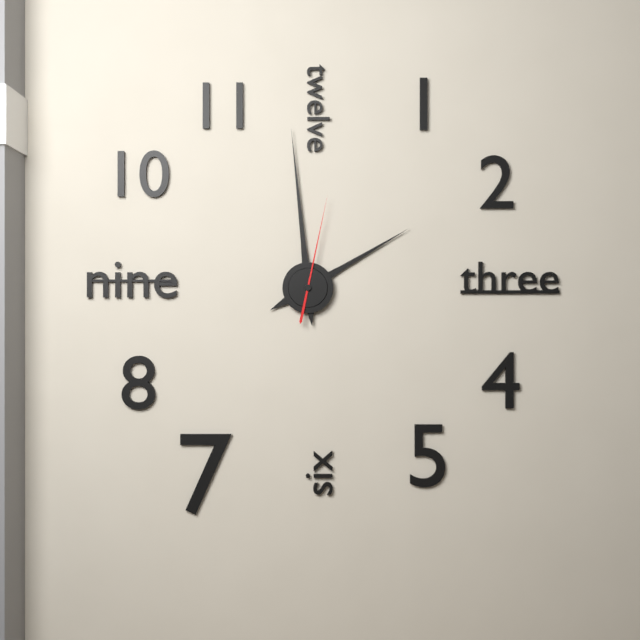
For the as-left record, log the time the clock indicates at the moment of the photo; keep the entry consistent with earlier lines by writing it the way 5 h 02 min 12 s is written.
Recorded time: 1 h 59 min 02 s
